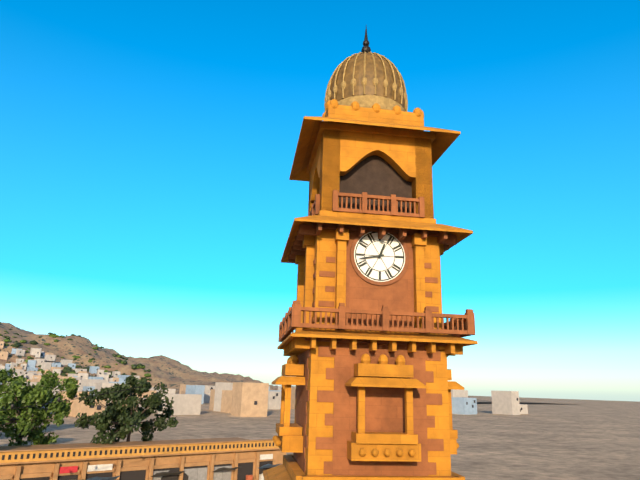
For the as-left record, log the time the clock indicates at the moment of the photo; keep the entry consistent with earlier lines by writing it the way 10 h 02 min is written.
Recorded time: 12 h 43 min
